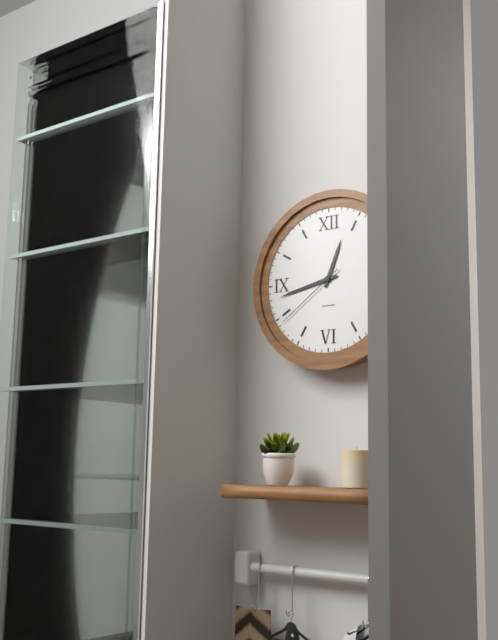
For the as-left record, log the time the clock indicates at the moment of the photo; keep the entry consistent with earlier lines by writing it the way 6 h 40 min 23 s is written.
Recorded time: 12 h 43 min 39 s
